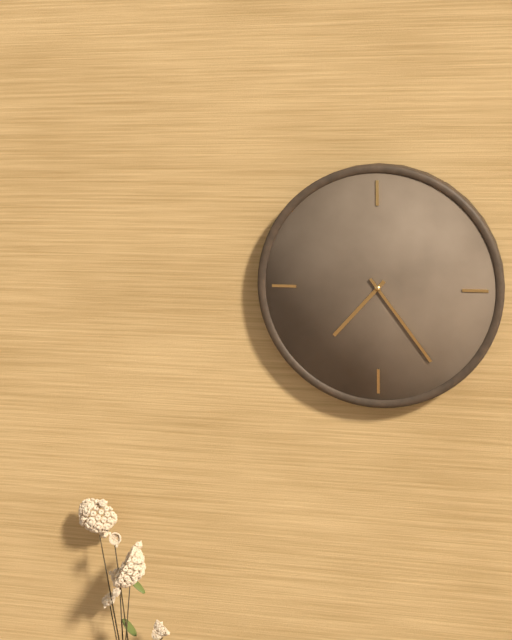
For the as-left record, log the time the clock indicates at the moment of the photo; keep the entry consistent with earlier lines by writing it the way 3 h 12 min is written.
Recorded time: 7 h 24 min
